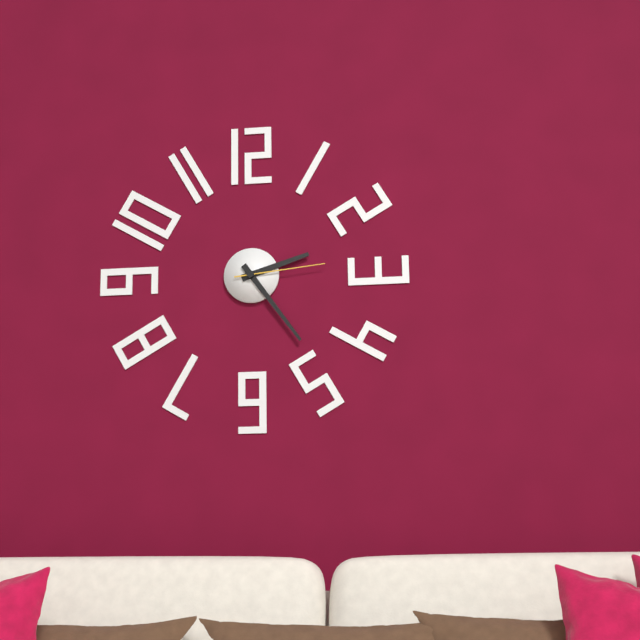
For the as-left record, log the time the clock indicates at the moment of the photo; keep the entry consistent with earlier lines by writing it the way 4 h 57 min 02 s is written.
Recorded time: 2 h 24 min 14 s
